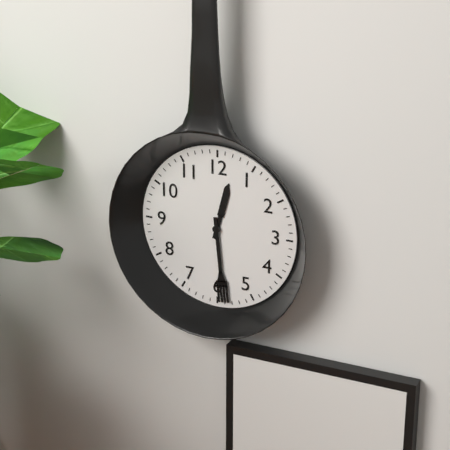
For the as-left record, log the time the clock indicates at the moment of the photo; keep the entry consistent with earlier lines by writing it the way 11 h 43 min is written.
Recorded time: 12 h 29 min
